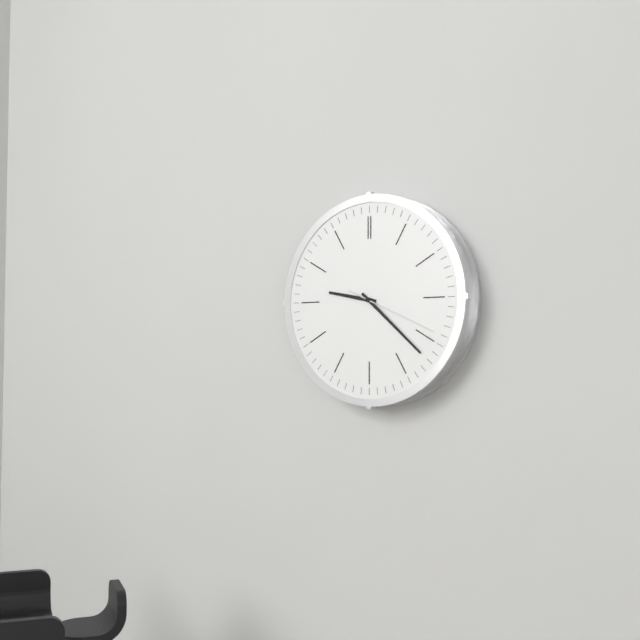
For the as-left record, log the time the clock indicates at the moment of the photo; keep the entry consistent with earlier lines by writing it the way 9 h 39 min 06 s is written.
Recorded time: 9 h 22 min 19 s
